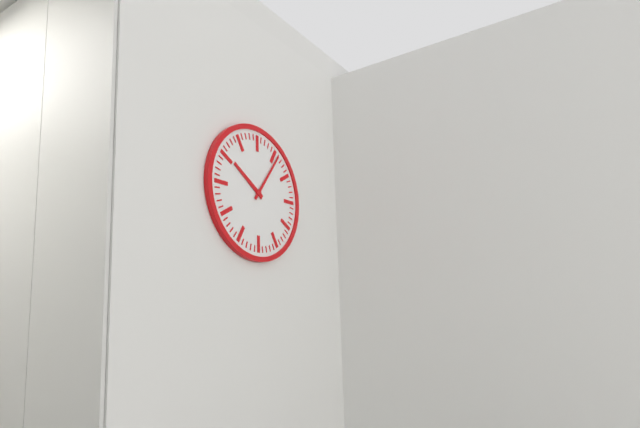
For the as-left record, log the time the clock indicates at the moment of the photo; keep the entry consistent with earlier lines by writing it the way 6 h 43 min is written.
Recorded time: 10 h 06 min
